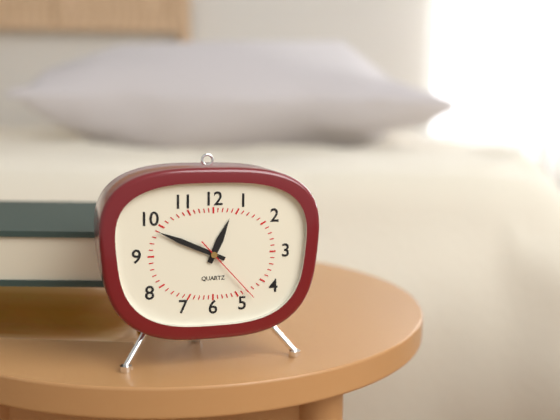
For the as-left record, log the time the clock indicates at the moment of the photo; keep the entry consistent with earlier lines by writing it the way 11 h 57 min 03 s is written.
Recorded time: 12 h 49 min 23 s
